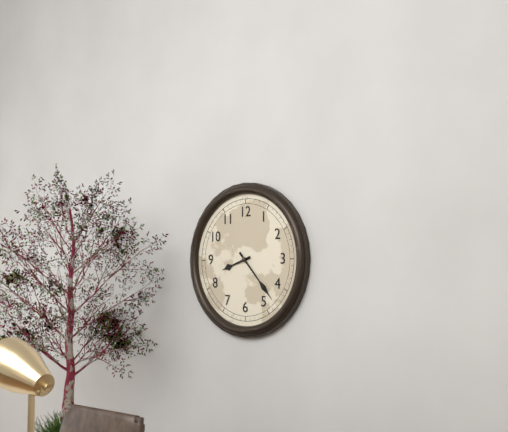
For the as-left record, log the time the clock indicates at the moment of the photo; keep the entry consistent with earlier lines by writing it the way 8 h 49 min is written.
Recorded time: 8 h 23 min
